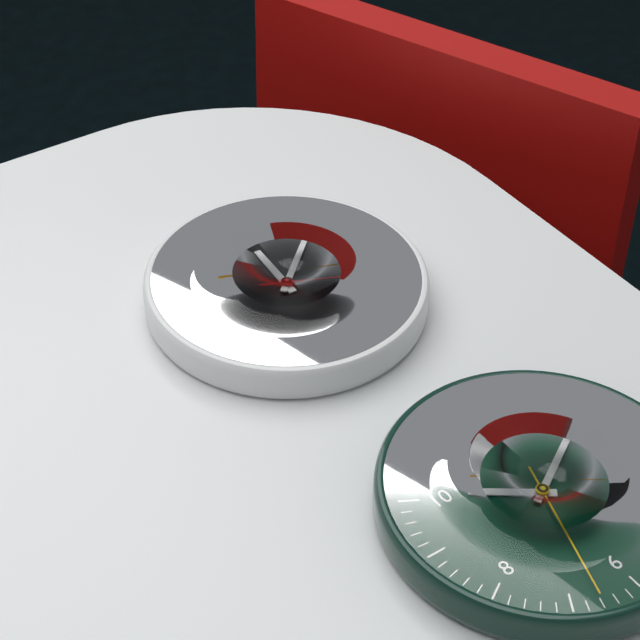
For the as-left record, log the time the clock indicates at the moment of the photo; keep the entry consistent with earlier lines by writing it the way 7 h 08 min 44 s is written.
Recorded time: 12 h 08 min 19 s
